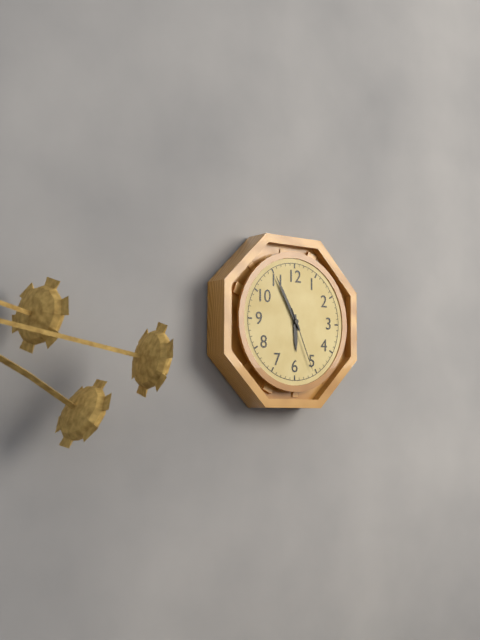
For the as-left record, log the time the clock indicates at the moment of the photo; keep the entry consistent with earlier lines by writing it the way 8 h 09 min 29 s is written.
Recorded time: 5 h 55 min 26 s
